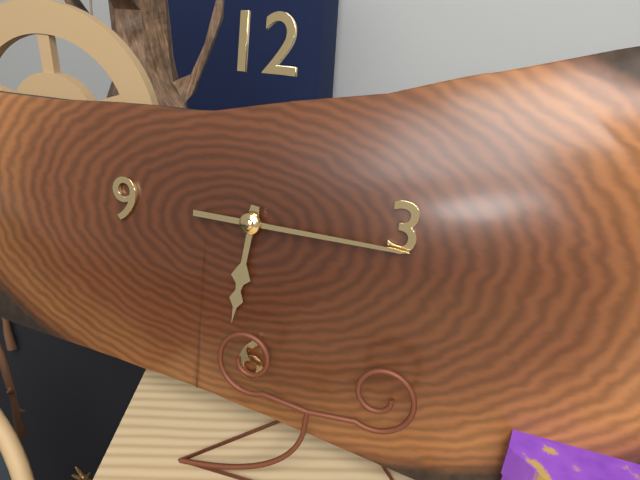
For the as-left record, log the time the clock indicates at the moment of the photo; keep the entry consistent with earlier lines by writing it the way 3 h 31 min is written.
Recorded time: 6 h 15 min
